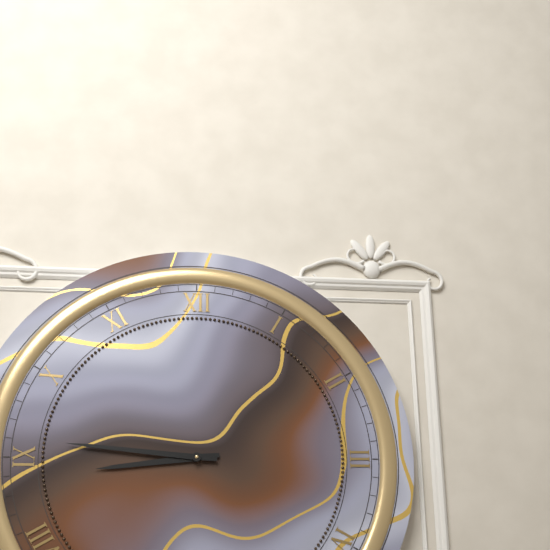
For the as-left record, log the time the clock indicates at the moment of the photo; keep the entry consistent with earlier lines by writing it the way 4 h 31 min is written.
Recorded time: 8 h 46 min
